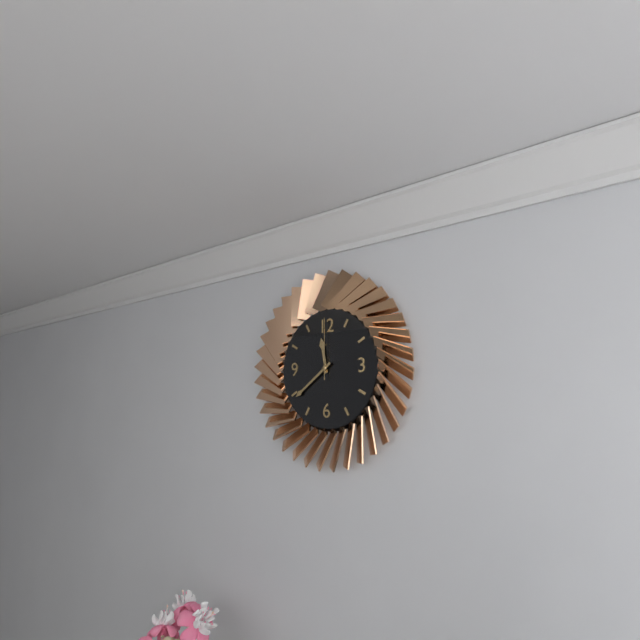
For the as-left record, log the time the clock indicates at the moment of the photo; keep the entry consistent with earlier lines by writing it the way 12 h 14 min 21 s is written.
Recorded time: 11 h 39 min 00 s
